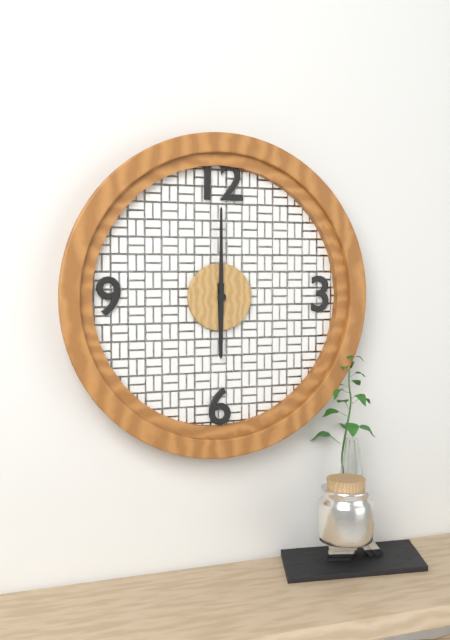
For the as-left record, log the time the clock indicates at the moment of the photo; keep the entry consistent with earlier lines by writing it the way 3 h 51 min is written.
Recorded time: 6 h 00 min
